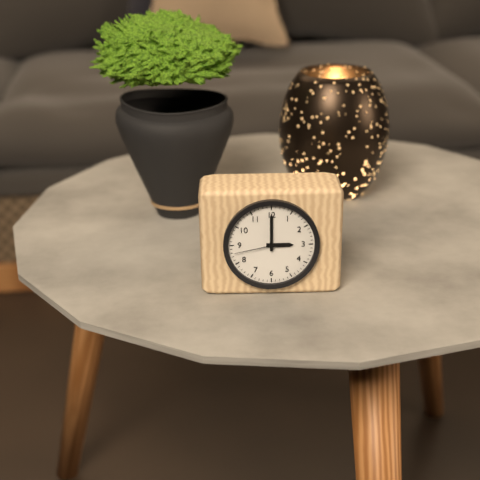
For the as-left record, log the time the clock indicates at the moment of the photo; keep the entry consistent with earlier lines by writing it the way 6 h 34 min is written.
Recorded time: 3 h 00 min
